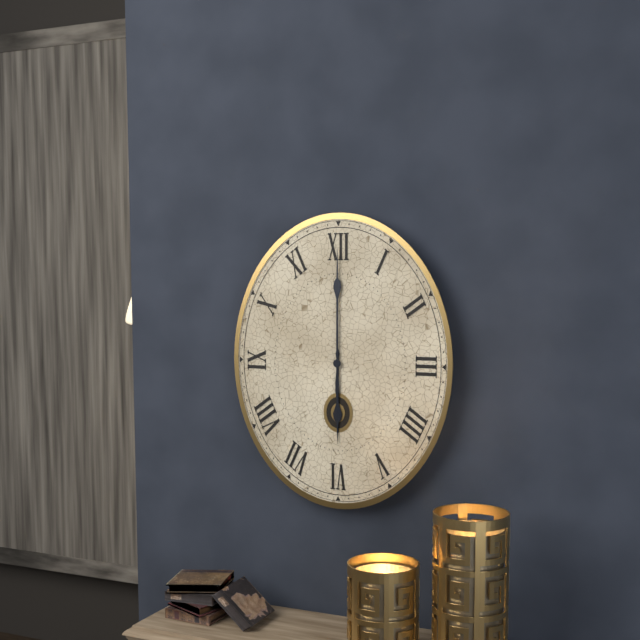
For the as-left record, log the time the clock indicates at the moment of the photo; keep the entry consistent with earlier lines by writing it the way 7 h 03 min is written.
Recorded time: 6 h 00 min
